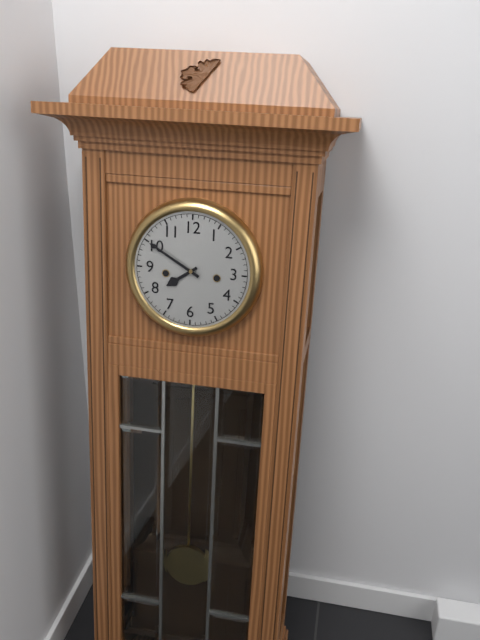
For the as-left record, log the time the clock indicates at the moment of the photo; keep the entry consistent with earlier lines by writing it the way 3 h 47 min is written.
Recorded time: 7 h 50 min
